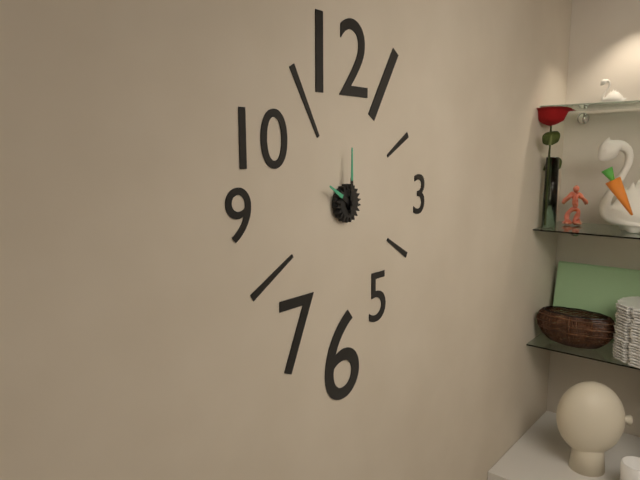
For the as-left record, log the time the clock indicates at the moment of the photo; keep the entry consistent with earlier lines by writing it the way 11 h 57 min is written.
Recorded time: 10 h 00 min
